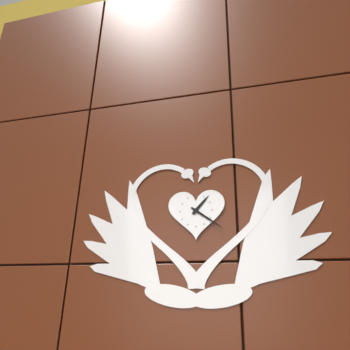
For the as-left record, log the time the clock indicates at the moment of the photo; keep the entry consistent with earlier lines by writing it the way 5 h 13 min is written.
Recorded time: 1 h 21 min
